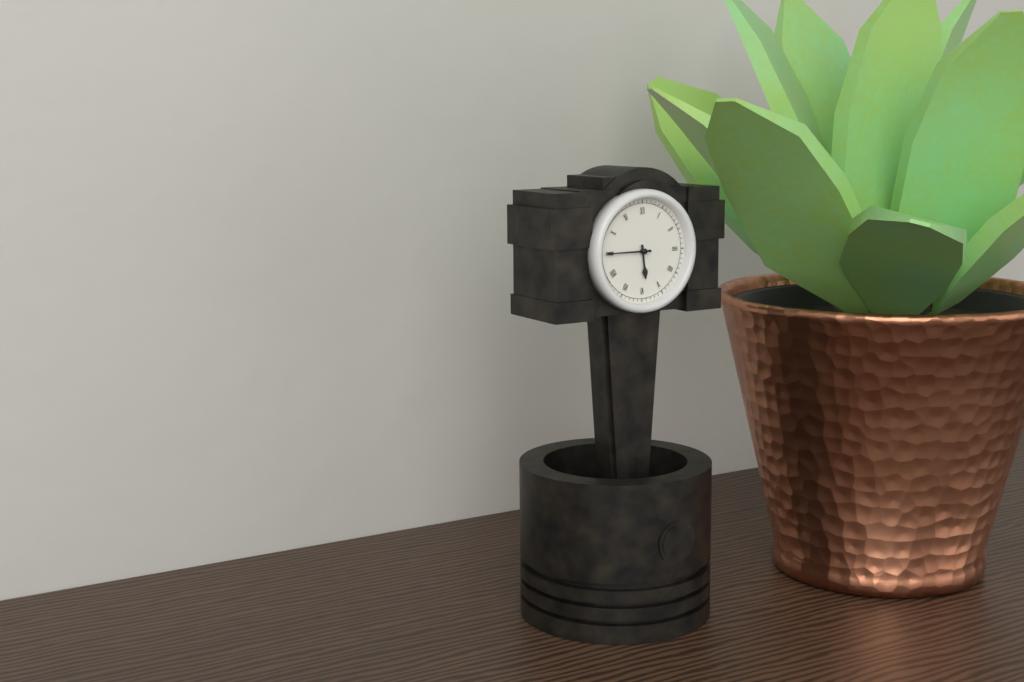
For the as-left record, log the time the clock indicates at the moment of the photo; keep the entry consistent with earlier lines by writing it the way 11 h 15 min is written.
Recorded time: 5 h 45 min
